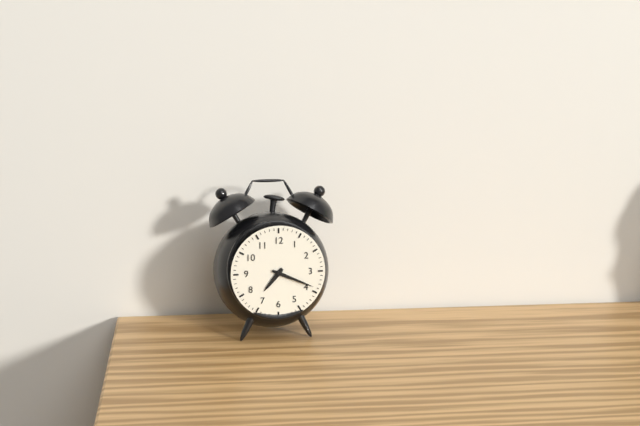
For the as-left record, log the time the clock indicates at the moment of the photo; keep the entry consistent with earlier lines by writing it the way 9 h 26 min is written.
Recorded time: 7 h 19 min
